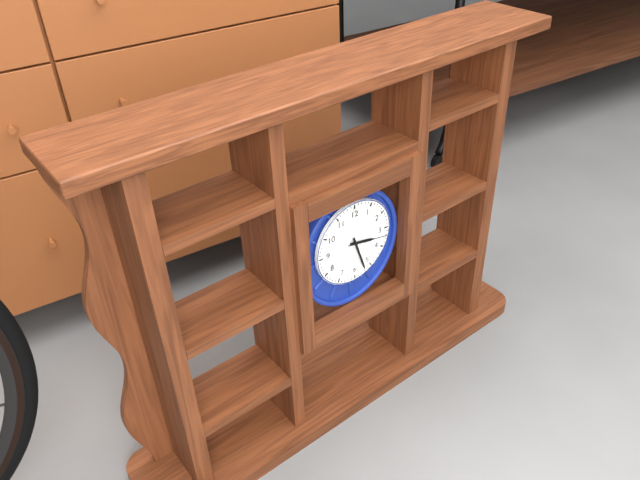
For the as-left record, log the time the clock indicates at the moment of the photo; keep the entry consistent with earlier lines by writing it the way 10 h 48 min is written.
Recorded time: 3 h 27 min
